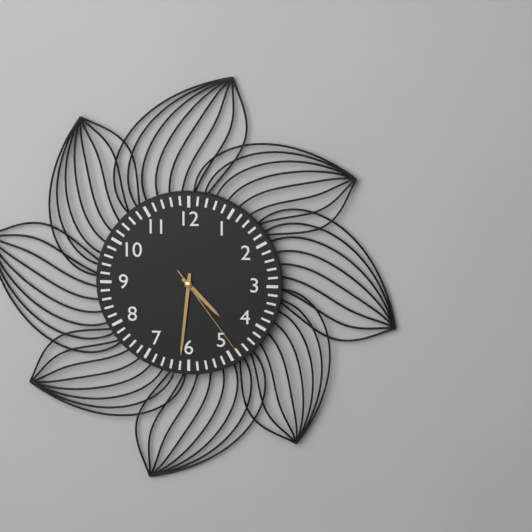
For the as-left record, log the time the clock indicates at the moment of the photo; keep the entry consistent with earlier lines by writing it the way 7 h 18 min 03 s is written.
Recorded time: 4 h 31 min 24 s
